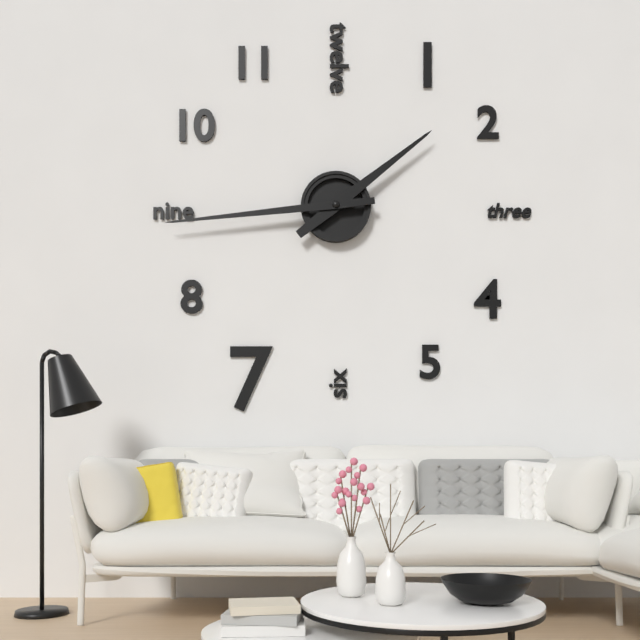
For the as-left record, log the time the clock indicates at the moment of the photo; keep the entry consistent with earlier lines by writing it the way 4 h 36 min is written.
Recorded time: 1 h 44 min
